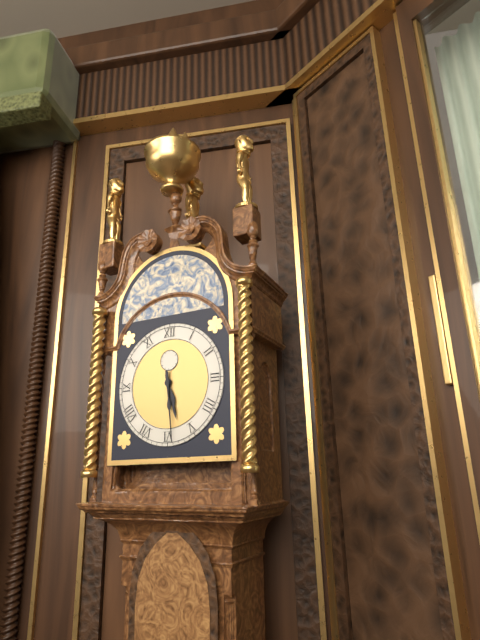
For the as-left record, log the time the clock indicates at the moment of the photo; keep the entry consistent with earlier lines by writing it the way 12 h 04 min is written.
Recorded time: 5 h 29 min
